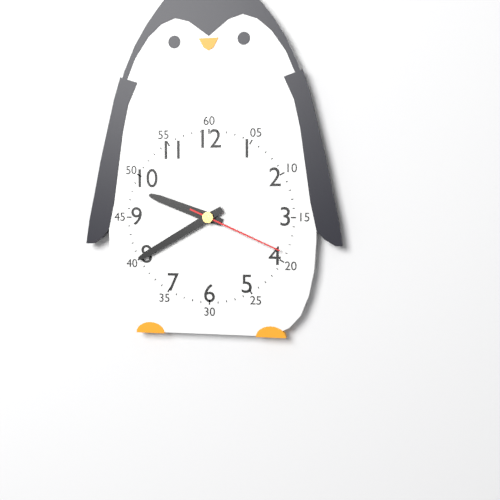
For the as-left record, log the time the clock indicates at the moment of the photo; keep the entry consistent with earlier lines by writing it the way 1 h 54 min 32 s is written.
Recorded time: 9 h 40 min 19 s
